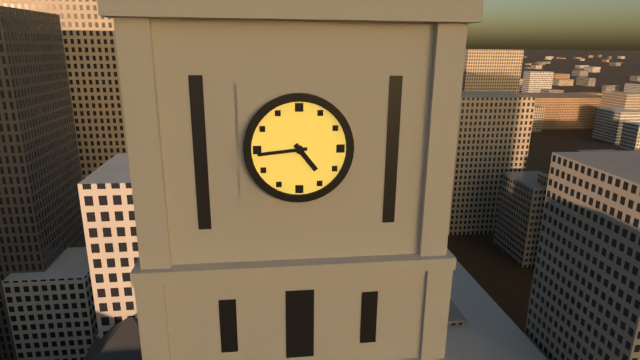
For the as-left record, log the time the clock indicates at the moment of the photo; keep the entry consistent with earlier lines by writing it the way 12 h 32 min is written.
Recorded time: 4 h 44 min
